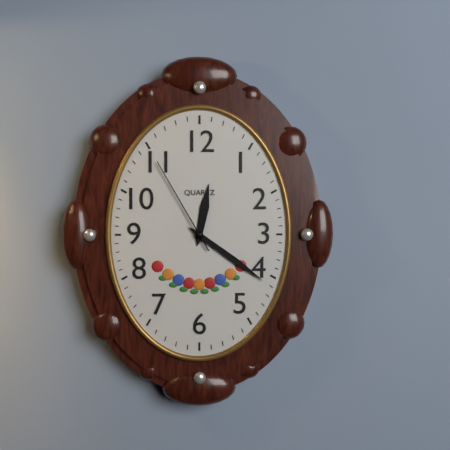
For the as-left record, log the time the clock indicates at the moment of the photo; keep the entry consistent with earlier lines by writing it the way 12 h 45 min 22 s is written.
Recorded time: 12 h 21 min 55 s
